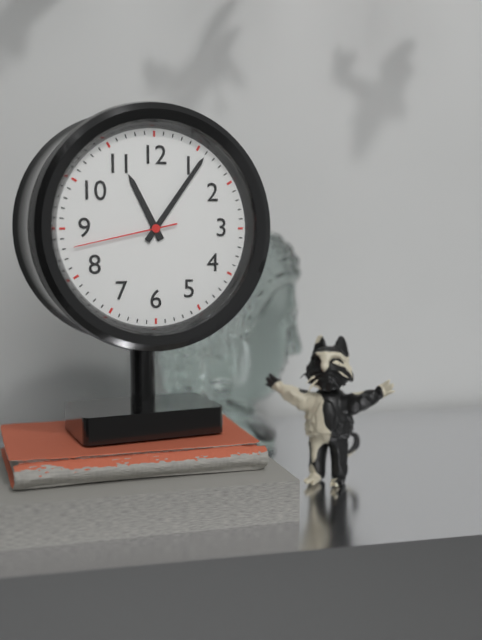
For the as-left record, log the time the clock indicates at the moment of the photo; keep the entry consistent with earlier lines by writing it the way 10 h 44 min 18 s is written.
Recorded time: 11 h 06 min 43 s
